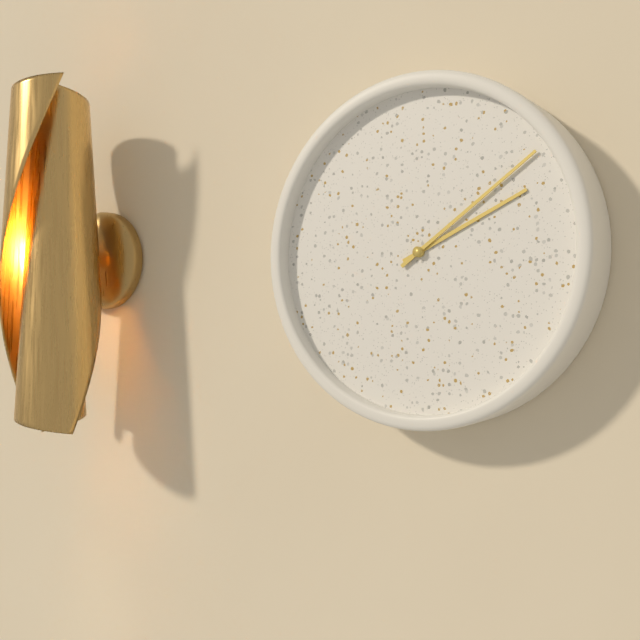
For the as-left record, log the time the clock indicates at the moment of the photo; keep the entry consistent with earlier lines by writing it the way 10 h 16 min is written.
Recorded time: 2 h 09 min
